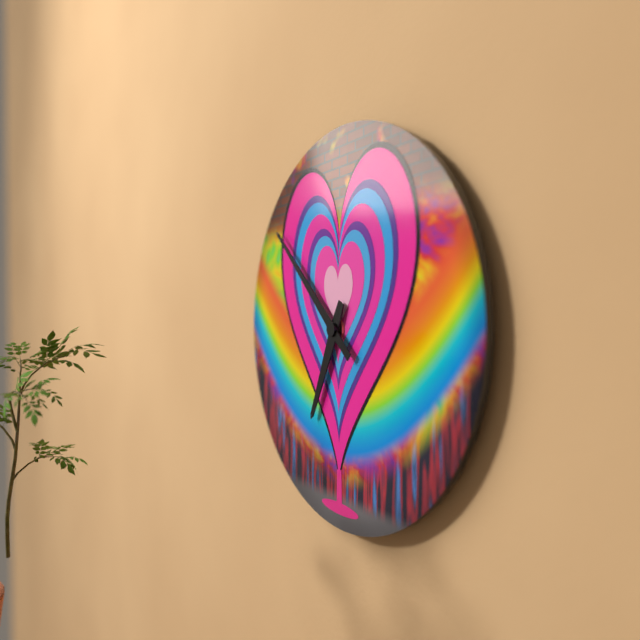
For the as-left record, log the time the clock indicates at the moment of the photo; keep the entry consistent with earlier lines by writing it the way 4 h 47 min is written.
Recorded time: 6 h 52 min
